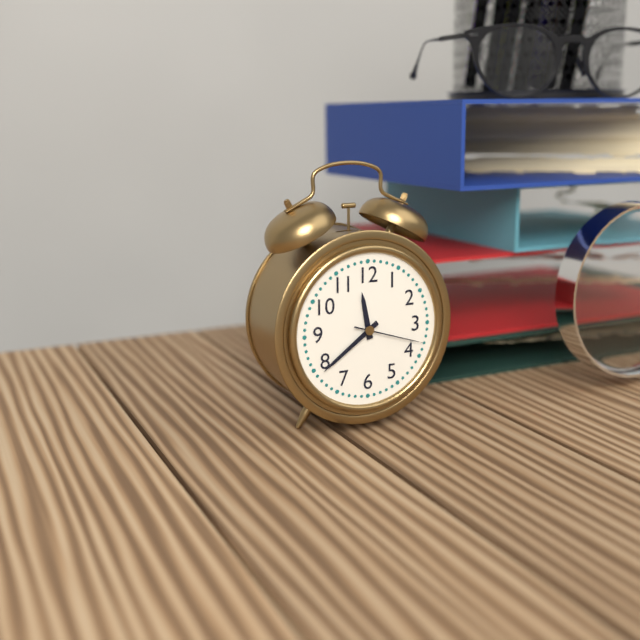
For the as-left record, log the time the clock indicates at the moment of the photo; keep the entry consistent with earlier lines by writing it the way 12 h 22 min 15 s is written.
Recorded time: 11 h 39 min 18 s
